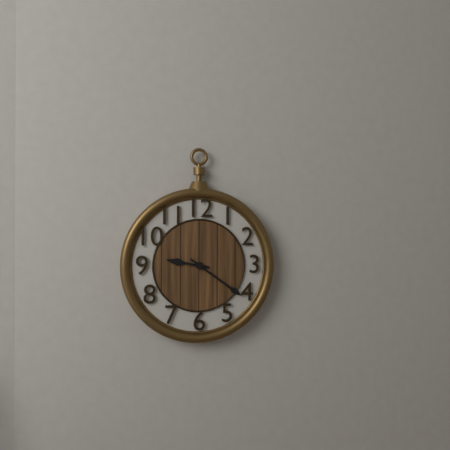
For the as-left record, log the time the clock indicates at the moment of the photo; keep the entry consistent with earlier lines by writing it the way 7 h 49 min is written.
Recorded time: 9 h 21 min
